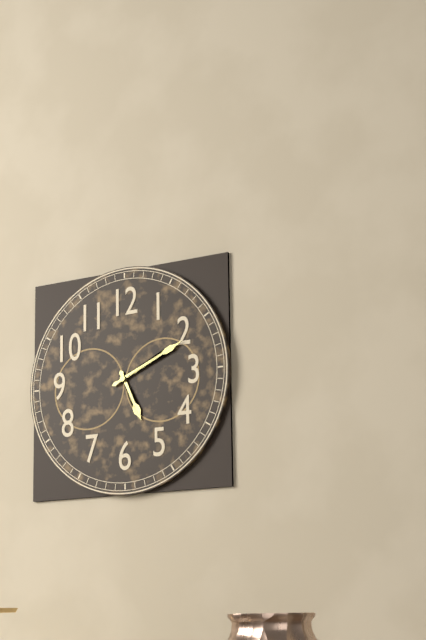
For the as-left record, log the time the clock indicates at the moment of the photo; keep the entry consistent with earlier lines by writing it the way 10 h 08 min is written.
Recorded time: 5 h 11 min
